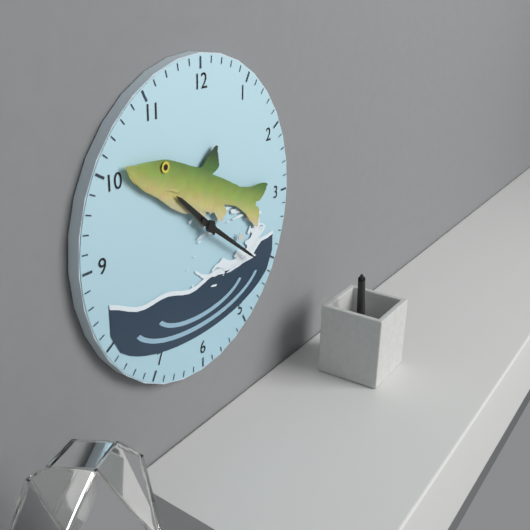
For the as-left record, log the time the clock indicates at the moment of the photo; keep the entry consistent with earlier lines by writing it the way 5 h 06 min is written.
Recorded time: 10 h 21 min
